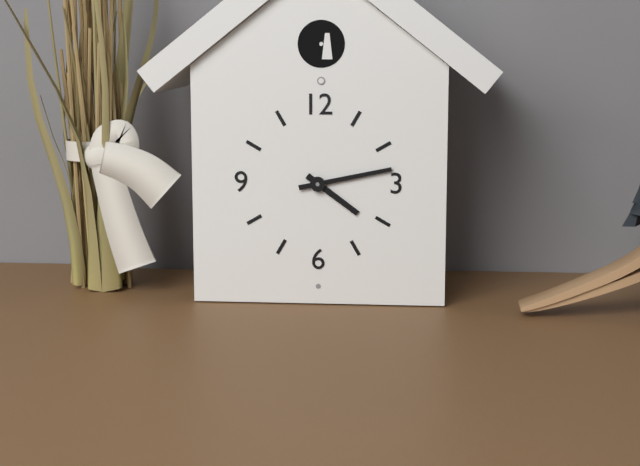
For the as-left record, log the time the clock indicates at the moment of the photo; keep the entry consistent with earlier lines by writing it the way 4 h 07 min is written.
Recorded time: 4 h 13 min
